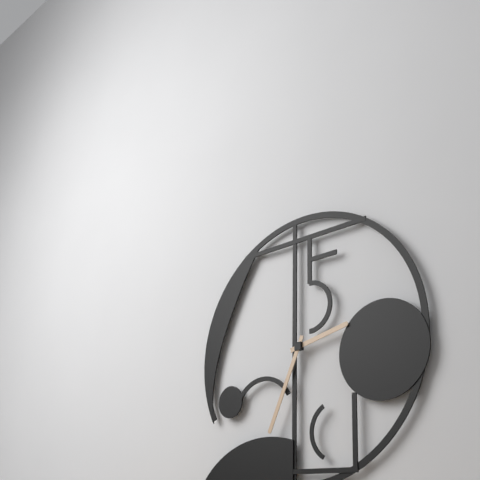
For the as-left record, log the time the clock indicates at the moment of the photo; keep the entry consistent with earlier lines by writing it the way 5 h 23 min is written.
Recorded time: 2 h 34 min
